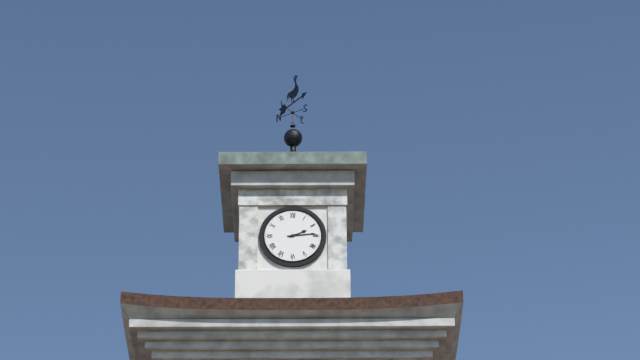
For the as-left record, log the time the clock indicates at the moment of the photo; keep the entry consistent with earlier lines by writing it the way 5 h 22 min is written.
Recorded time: 2 h 14 min
